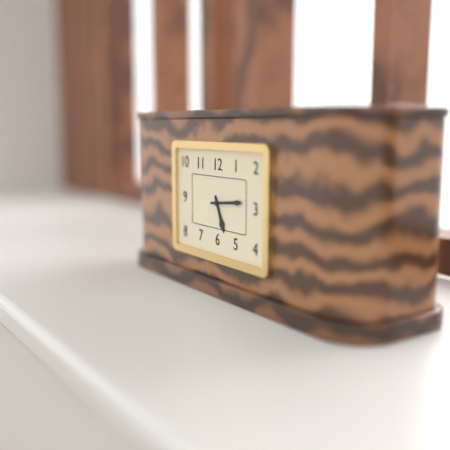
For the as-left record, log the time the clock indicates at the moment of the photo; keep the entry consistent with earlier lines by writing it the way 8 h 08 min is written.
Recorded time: 5 h 14 min
